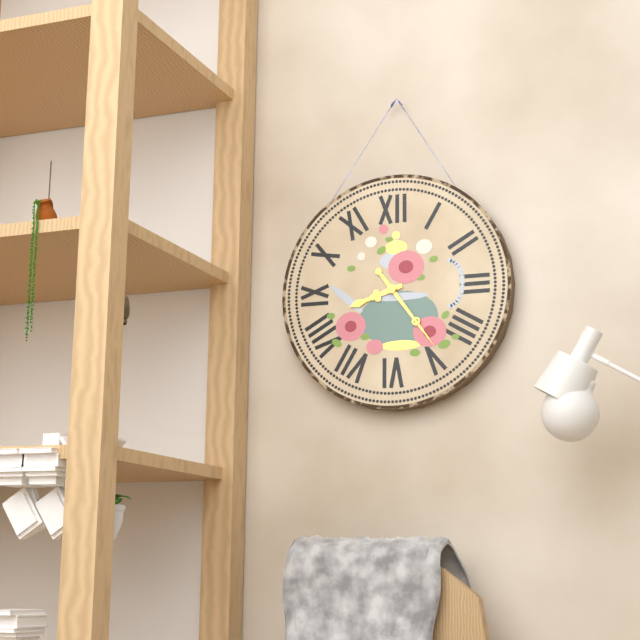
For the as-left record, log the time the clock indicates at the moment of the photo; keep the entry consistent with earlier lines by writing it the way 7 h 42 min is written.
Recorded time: 8 h 24 min
